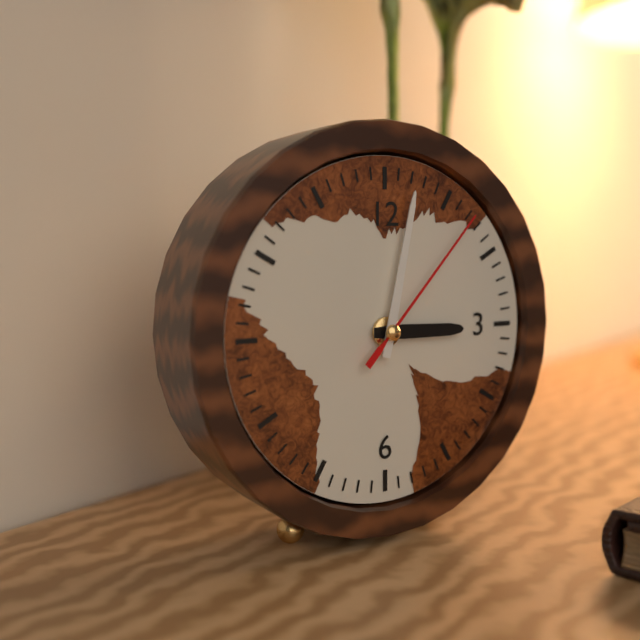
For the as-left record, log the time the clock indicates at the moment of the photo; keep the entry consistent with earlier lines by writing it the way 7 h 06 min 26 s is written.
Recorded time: 3 h 02 min 07 s
